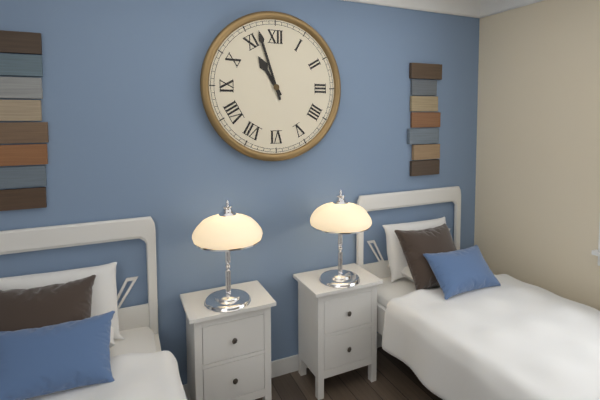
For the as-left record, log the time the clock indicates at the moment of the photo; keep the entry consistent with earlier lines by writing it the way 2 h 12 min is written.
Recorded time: 10 h 57 min
